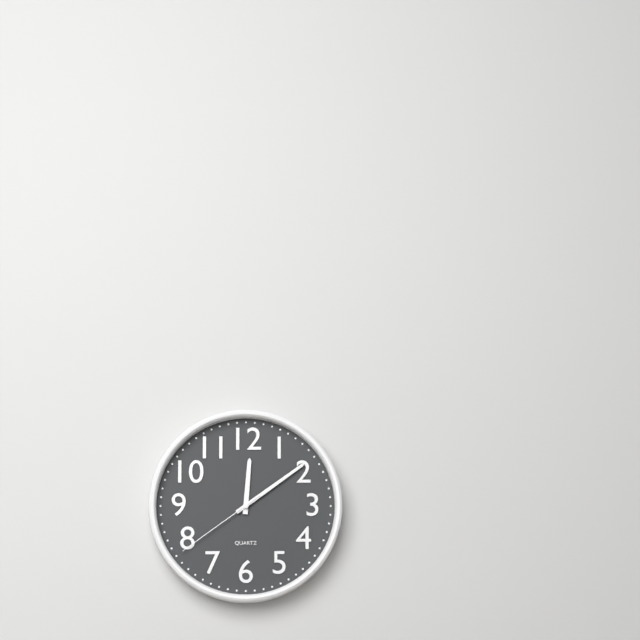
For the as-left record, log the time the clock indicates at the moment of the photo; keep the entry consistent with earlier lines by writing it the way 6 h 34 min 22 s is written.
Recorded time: 12 h 09 min 39 s
